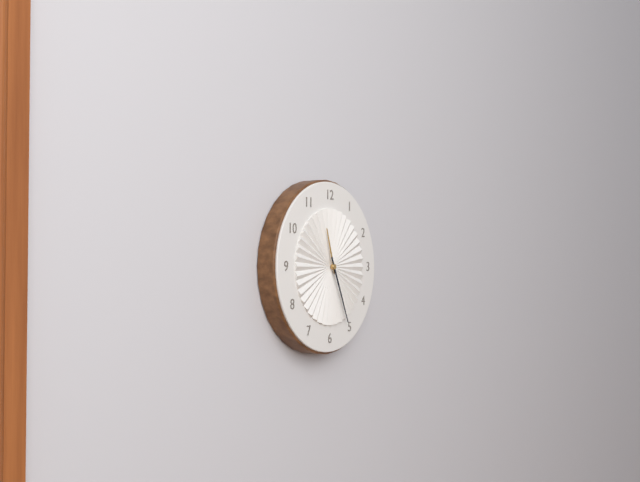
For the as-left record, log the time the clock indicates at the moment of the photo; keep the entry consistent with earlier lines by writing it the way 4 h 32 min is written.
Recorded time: 11 h 26 min
